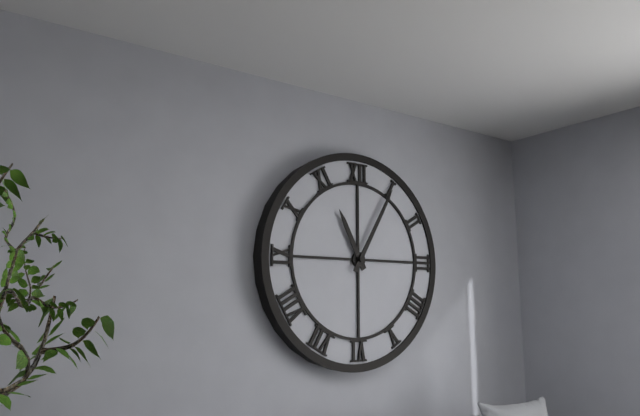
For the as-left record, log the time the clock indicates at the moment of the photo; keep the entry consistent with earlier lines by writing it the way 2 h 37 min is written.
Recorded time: 11 h 05 min
